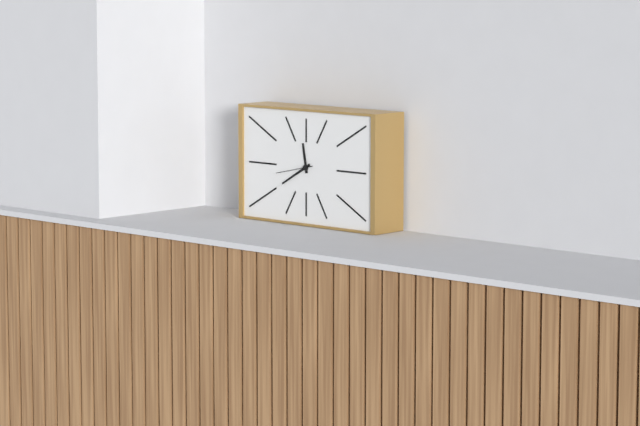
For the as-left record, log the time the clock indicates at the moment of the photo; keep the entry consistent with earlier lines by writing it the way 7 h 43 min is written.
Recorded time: 11 h 40 min
